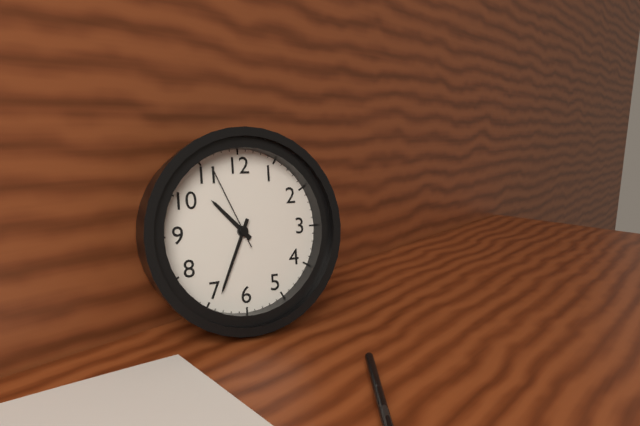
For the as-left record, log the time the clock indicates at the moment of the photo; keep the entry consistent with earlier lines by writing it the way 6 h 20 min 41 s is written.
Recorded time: 10 h 34 min 56 s
